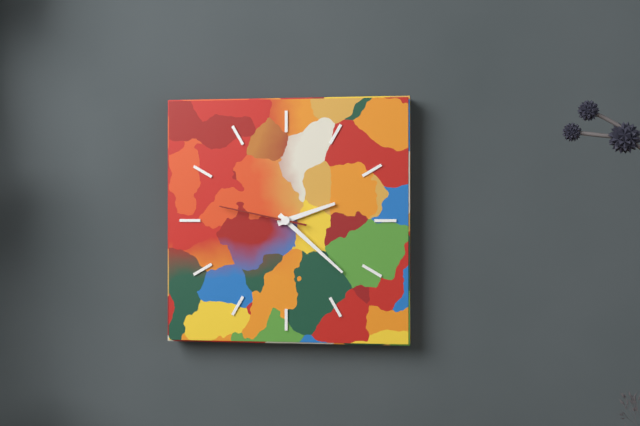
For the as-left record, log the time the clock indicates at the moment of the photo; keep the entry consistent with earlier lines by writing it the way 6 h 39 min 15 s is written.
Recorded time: 2 h 22 min 47 s
